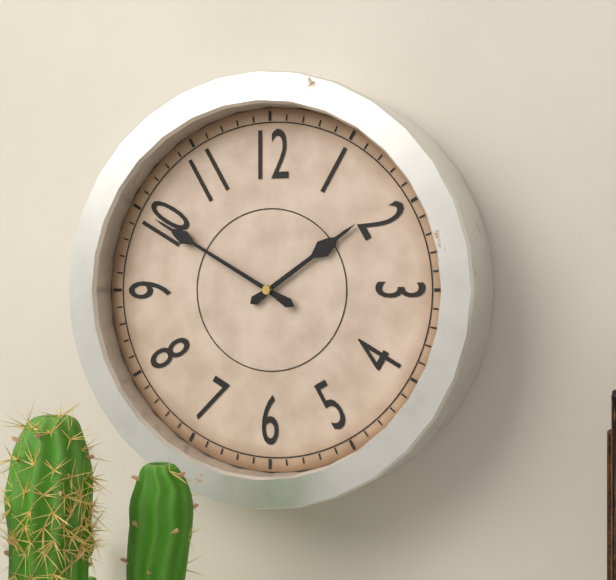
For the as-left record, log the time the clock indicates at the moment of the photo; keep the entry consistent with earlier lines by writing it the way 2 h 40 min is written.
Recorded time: 1 h 50 min
